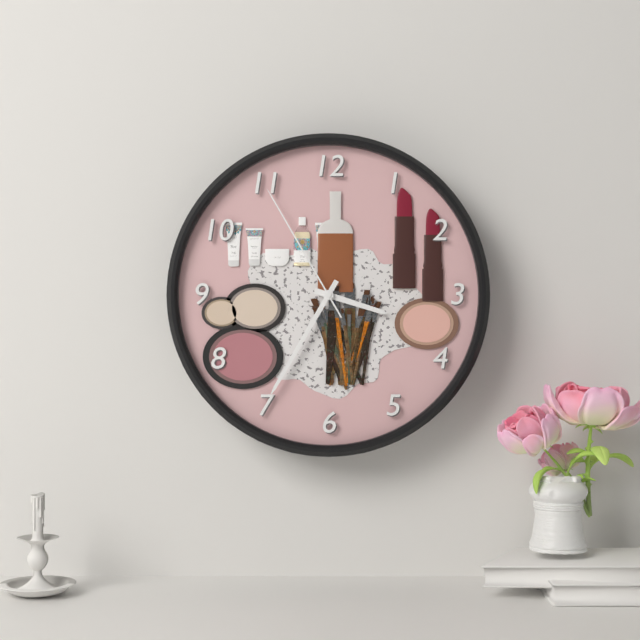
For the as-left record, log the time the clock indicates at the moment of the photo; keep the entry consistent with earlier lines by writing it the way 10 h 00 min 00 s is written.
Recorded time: 3 h 35 min 55 s
